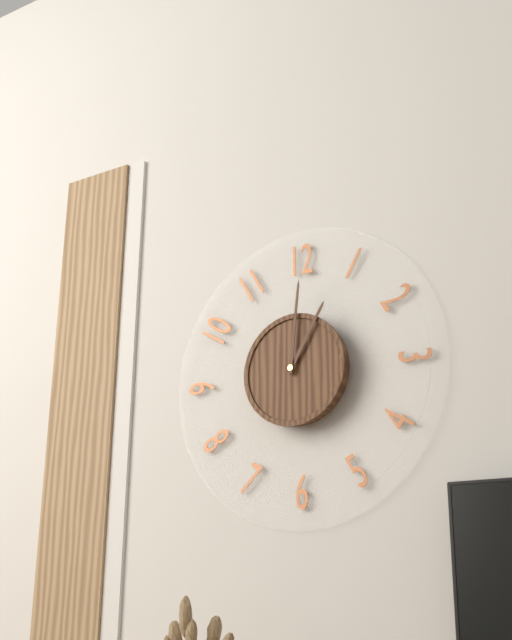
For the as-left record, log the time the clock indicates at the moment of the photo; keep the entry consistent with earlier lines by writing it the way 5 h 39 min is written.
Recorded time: 1 h 01 min
